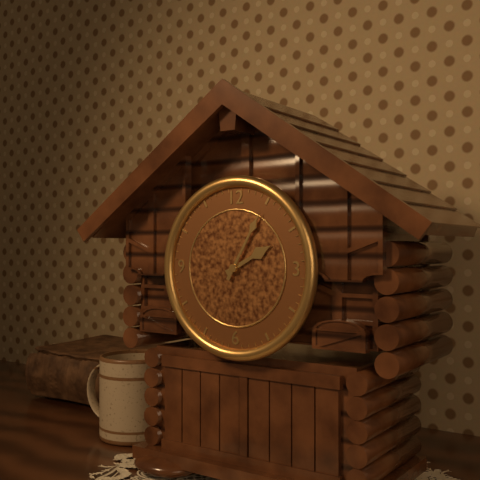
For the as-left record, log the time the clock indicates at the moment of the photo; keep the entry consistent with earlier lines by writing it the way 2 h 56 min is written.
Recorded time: 2 h 05 min
